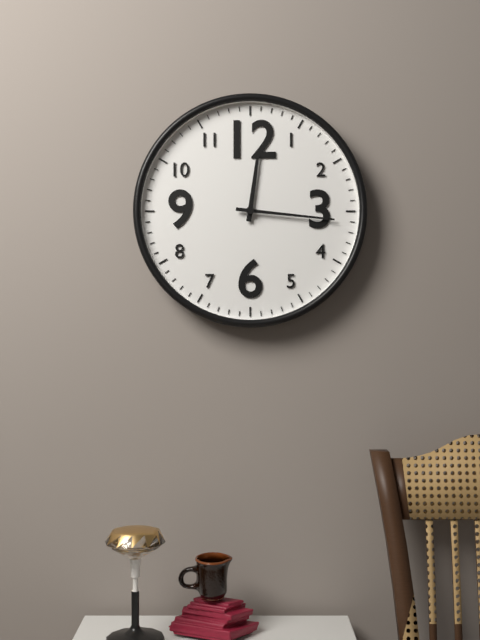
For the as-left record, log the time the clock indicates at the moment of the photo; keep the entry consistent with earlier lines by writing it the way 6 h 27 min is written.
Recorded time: 12 h 16 min
